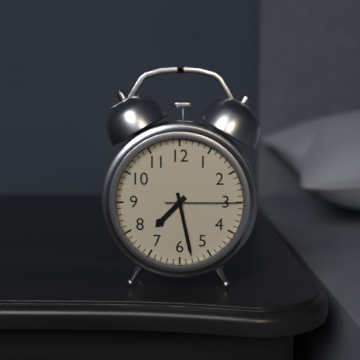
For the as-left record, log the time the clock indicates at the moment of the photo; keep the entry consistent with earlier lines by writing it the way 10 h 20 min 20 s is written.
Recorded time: 7 h 28 min 15 s
